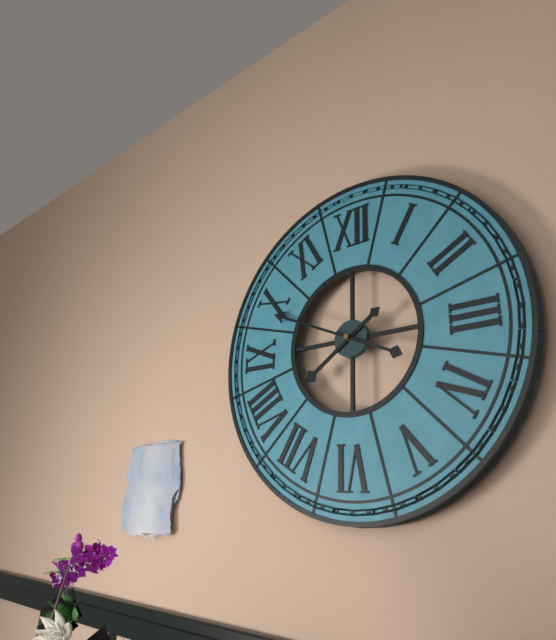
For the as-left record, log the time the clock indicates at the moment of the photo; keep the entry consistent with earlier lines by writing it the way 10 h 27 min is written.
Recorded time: 7 h 49 min
